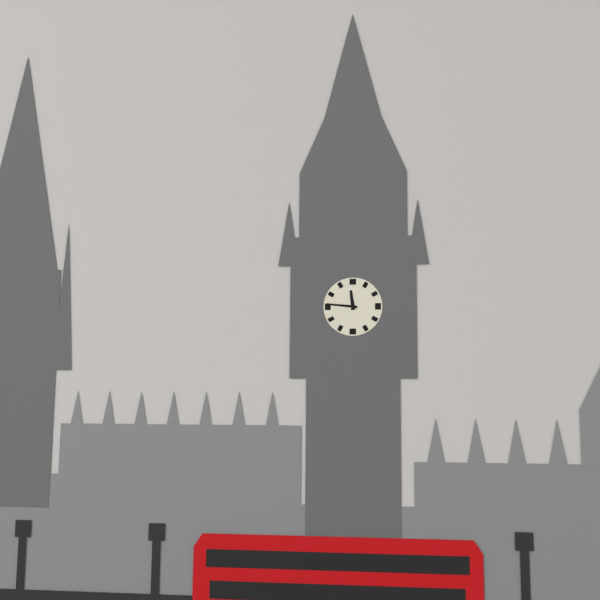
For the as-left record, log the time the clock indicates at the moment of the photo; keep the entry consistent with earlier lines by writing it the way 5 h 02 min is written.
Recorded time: 11 h 46 min
